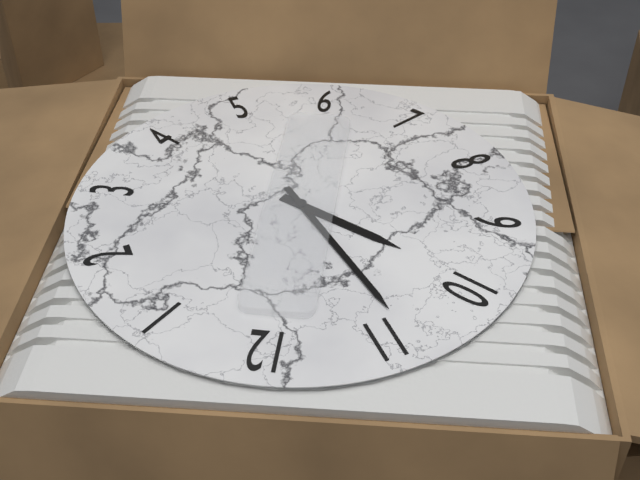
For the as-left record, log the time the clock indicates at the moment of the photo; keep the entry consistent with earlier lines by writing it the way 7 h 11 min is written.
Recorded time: 9 h 54 min
